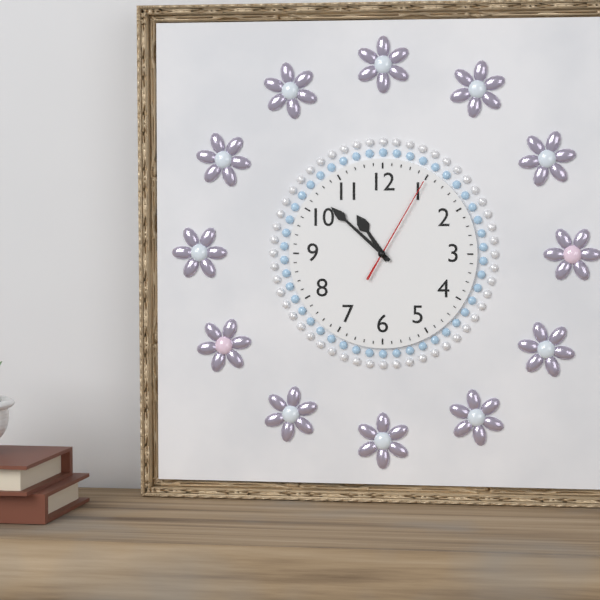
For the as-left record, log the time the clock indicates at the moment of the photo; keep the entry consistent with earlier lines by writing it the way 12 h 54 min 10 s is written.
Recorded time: 10 h 52 min 05 s
